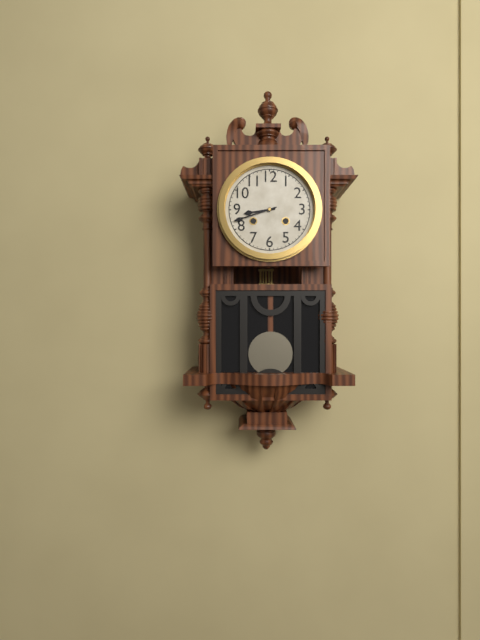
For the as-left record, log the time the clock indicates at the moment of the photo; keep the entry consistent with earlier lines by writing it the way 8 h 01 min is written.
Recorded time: 8 h 42 min
